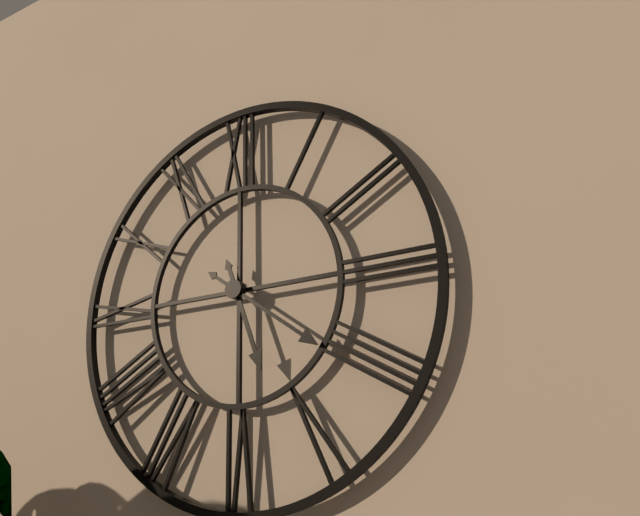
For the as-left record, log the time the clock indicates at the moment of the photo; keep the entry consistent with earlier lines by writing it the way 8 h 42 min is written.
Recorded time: 5 h 21 min
